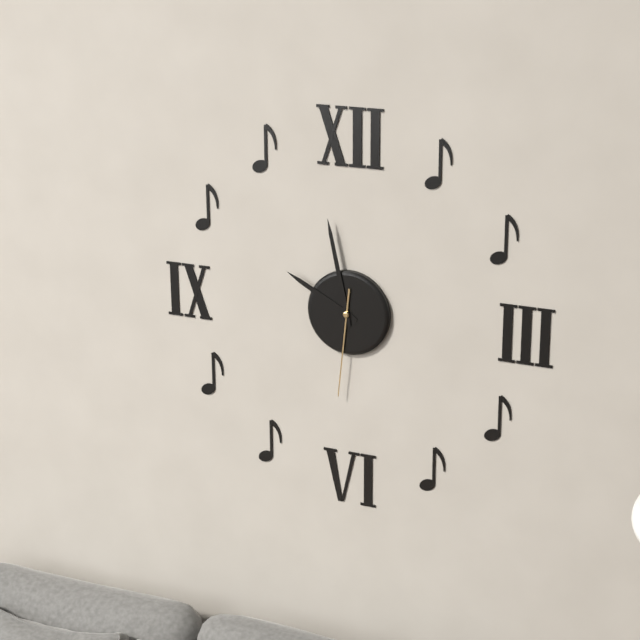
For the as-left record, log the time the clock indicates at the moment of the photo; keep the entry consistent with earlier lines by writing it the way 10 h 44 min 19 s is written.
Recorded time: 9 h 58 min 31 s
